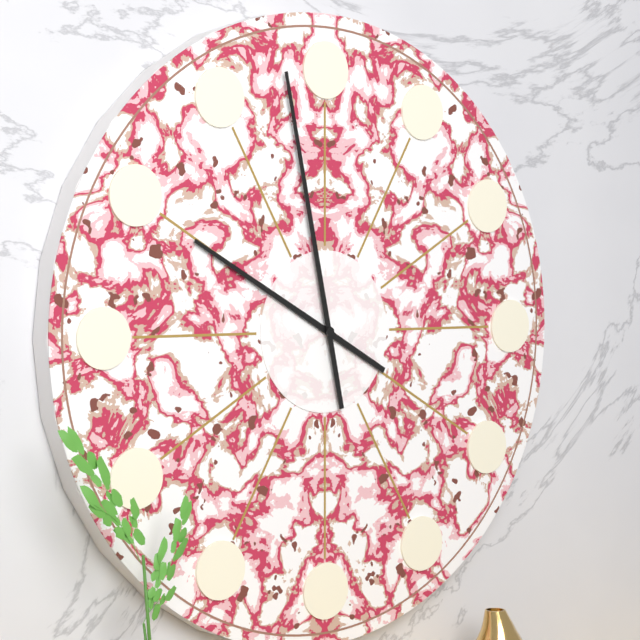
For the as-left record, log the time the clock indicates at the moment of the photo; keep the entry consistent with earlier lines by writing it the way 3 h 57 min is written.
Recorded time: 9 h 58 min
